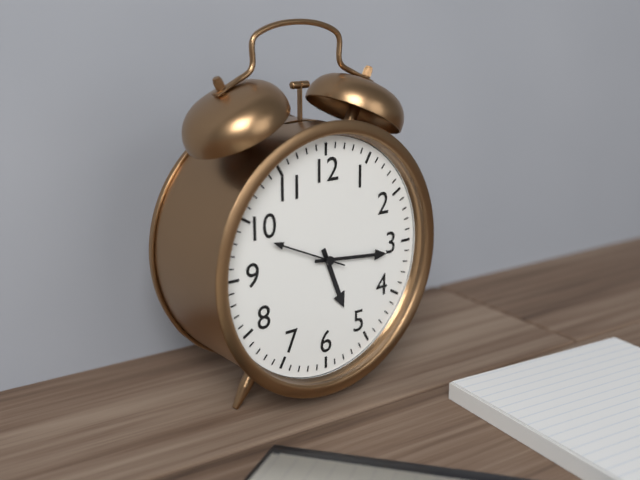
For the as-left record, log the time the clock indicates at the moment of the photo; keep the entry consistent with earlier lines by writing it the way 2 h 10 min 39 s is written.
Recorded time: 5 h 16 min 49 s
